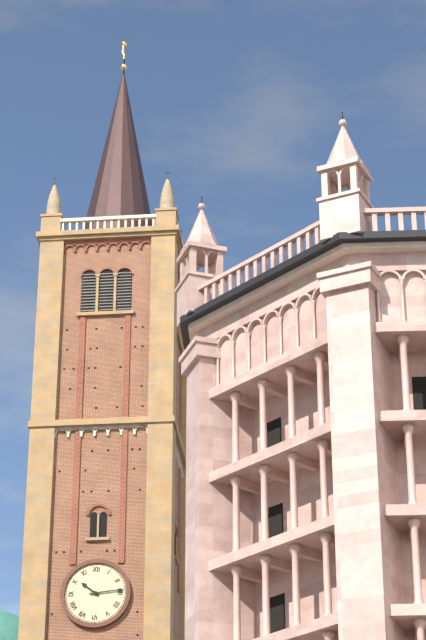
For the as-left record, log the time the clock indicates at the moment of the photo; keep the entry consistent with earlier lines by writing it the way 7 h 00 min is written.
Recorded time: 10 h 14 min
